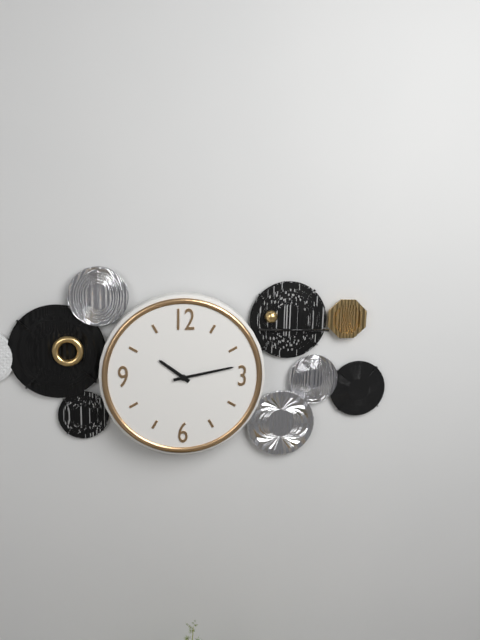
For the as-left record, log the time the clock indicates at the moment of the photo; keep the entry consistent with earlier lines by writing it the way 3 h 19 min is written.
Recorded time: 10 h 13 min
